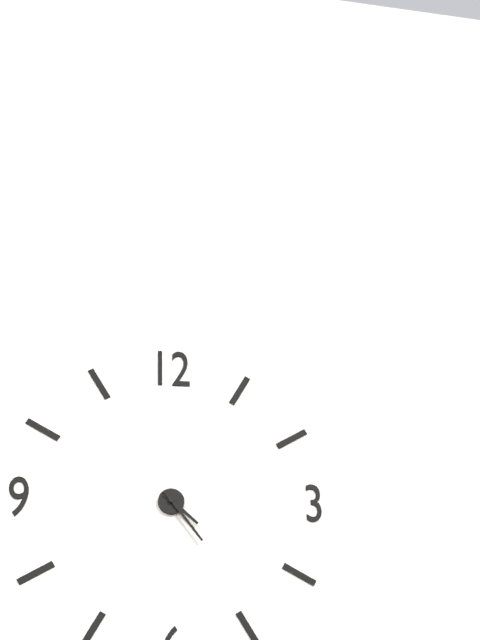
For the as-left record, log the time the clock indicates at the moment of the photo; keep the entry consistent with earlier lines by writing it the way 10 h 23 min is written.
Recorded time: 4 h 24 min
